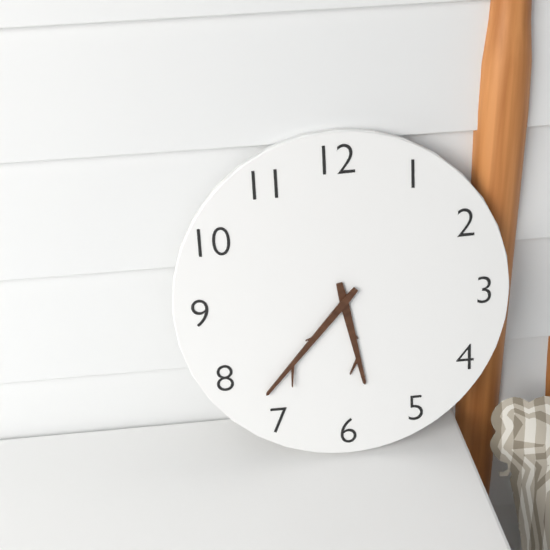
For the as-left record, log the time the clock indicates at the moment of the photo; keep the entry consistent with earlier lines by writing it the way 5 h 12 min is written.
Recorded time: 5 h 37 min
